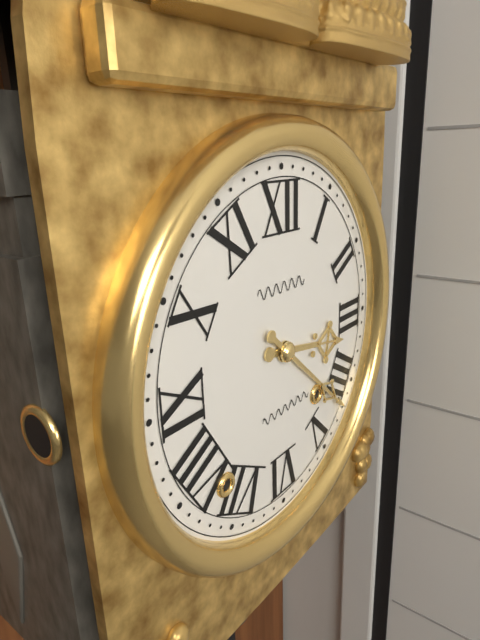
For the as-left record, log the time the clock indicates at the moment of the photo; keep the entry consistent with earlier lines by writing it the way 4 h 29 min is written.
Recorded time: 3 h 22 min
